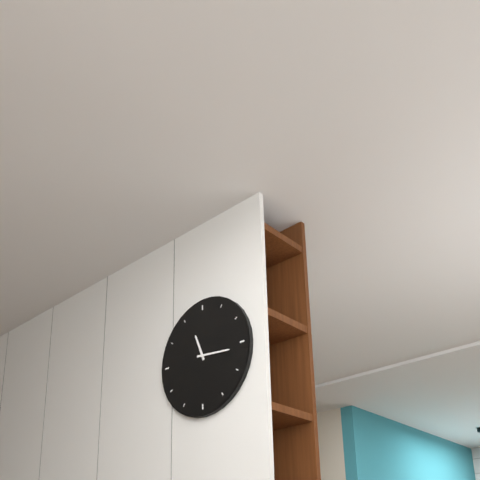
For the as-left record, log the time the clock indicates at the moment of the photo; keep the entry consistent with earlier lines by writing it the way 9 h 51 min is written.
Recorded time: 11 h 16 min
